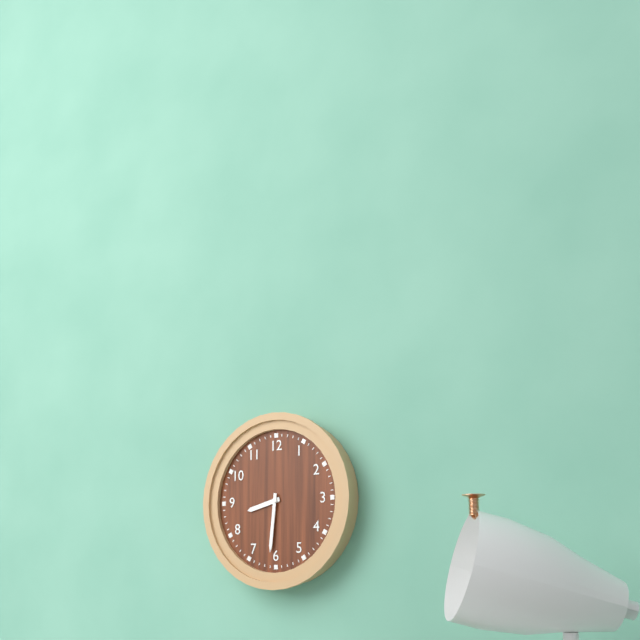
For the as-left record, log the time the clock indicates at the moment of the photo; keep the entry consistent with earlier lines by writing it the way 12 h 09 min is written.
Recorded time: 8 h 31 min
